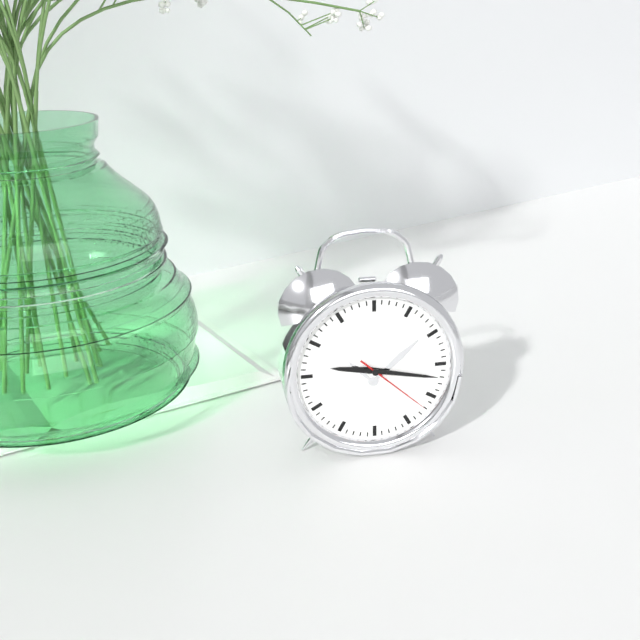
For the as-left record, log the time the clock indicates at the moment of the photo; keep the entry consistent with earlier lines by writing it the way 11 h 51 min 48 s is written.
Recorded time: 9 h 17 min 22 s
